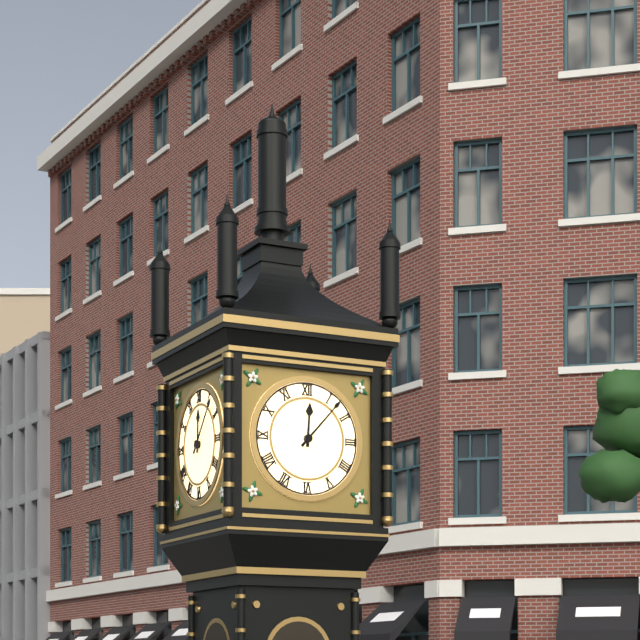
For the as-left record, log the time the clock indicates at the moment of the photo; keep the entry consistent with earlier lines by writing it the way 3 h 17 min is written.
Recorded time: 12 h 07 min
